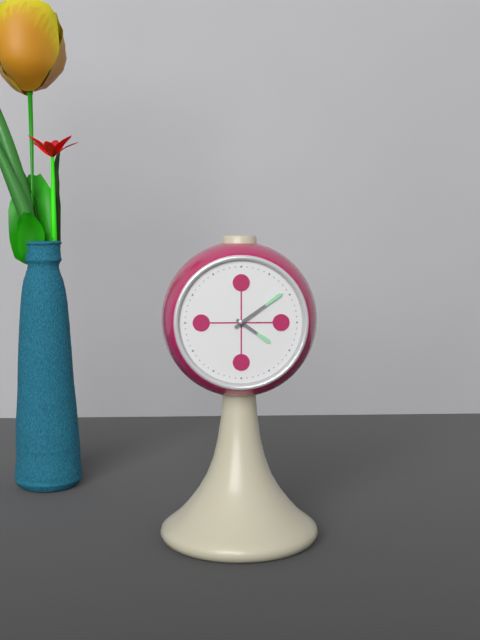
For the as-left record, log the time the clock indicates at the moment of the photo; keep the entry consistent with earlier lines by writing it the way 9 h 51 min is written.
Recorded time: 4 h 09 min
